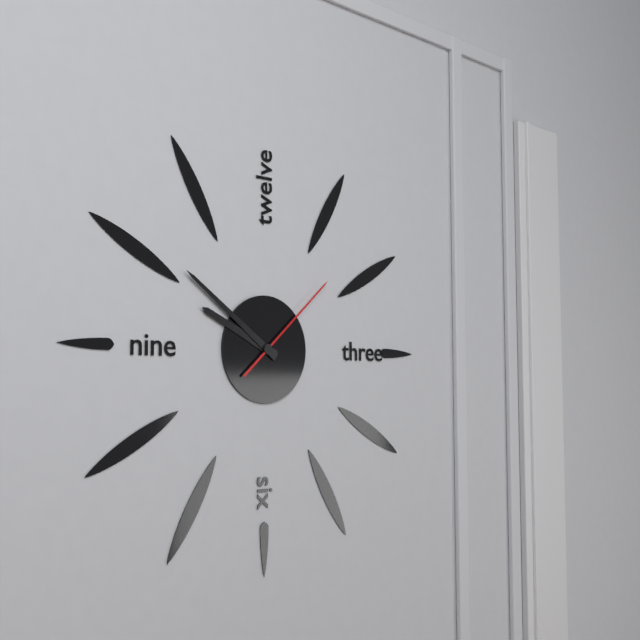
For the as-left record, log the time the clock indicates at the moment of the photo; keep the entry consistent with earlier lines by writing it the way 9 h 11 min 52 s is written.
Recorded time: 9 h 51 min 08 s
